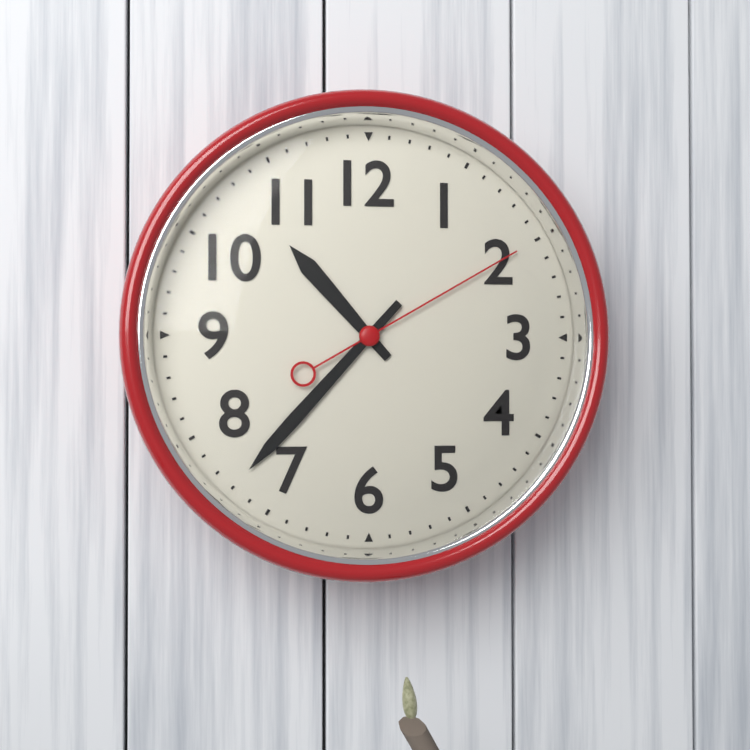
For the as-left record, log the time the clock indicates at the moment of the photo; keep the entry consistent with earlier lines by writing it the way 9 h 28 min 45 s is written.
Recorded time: 10 h 37 min 10 s
